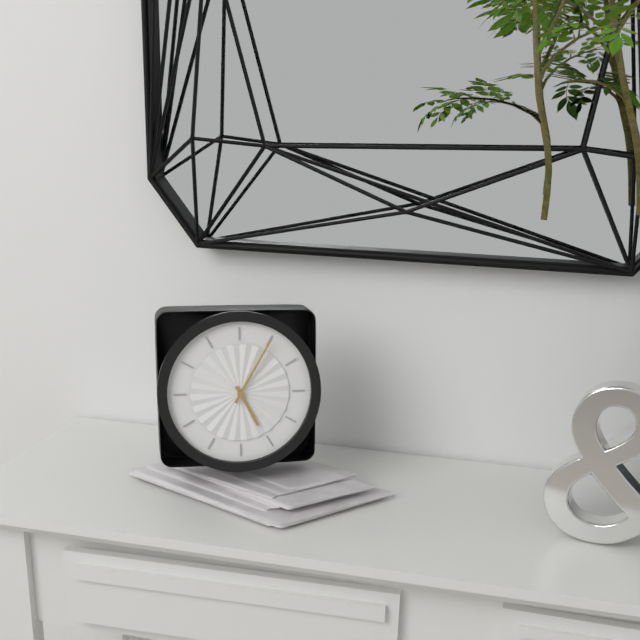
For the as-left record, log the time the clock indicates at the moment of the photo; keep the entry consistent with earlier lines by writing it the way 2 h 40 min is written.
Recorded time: 5 h 05 min
